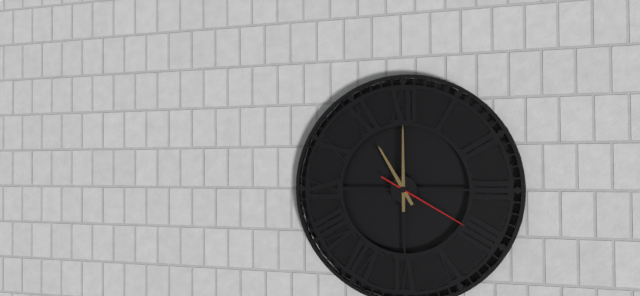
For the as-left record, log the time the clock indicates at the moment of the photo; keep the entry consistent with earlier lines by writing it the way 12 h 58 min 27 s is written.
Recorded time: 11 h 00 min 20 s
